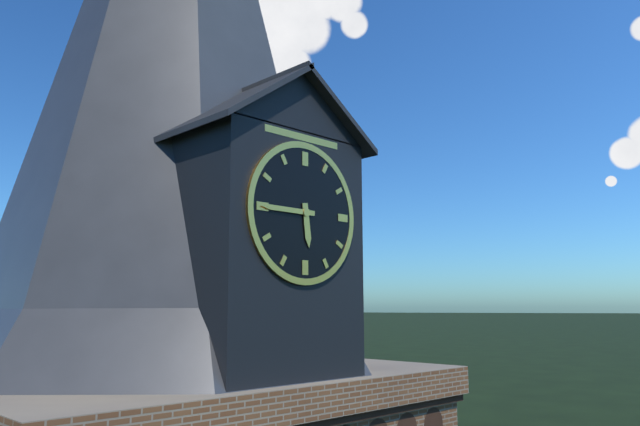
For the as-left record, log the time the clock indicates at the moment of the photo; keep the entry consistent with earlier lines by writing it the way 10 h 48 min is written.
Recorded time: 5 h 45 min
